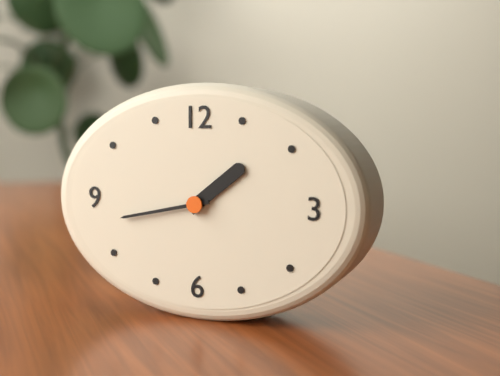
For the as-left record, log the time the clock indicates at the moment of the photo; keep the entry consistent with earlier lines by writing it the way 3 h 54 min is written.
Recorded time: 1 h 43 min
